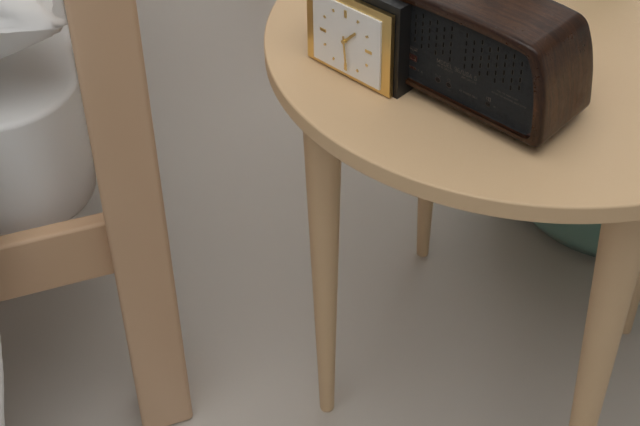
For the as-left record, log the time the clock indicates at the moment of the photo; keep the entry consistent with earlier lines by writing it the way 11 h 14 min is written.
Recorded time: 1 h 29 min
